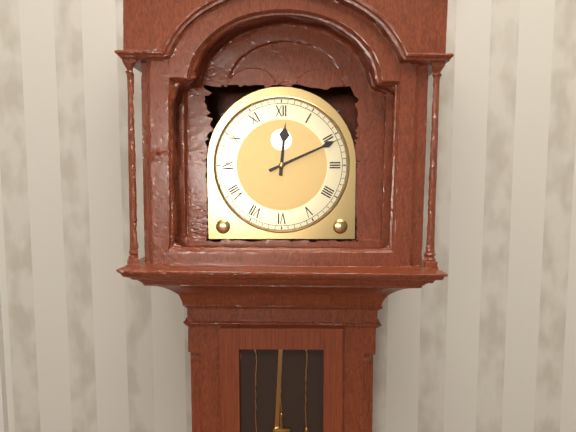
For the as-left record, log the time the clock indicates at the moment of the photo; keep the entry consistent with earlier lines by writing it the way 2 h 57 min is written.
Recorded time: 12 h 11 min
